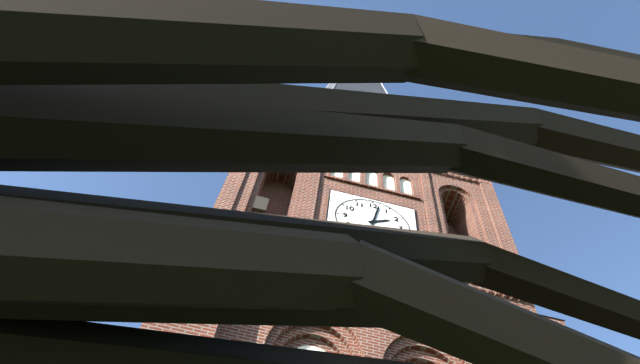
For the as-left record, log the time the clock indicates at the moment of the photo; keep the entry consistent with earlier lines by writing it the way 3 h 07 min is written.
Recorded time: 2 h 02 min
